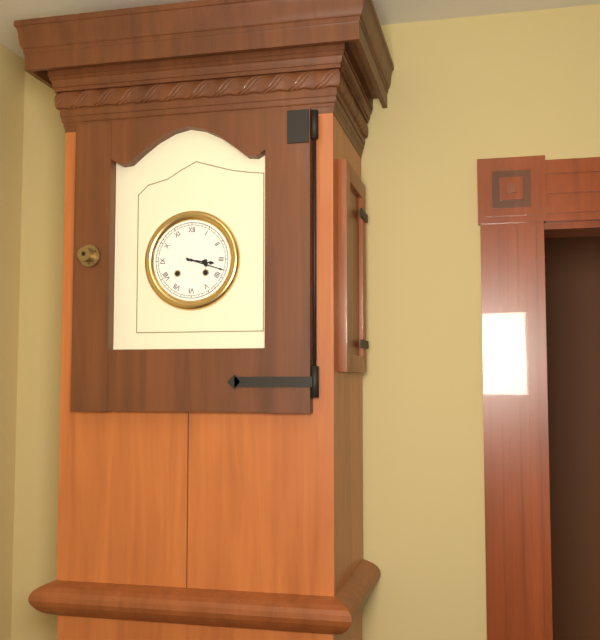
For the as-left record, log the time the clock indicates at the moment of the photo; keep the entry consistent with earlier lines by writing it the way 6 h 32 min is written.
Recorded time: 3 h 18 min
